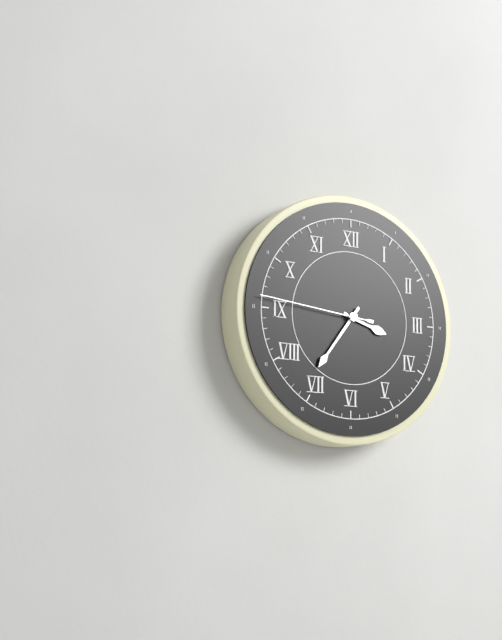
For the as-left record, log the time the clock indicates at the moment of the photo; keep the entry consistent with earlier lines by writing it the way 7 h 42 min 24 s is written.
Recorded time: 3 h 36 min 46 s
